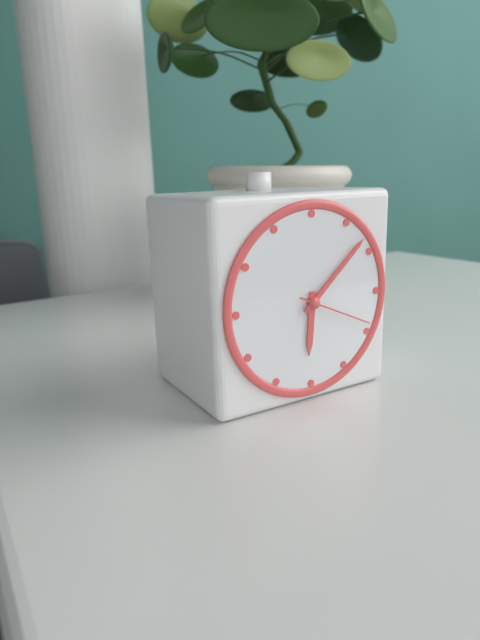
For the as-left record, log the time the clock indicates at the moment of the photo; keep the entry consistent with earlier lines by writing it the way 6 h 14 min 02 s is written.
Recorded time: 6 h 08 min 19 s
